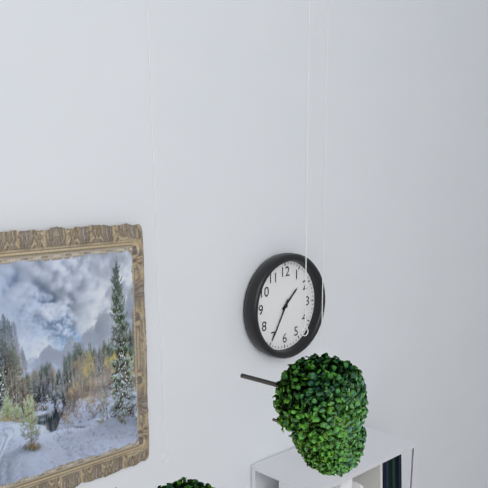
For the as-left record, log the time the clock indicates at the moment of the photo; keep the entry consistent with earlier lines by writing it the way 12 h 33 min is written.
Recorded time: 1 h 35 min
